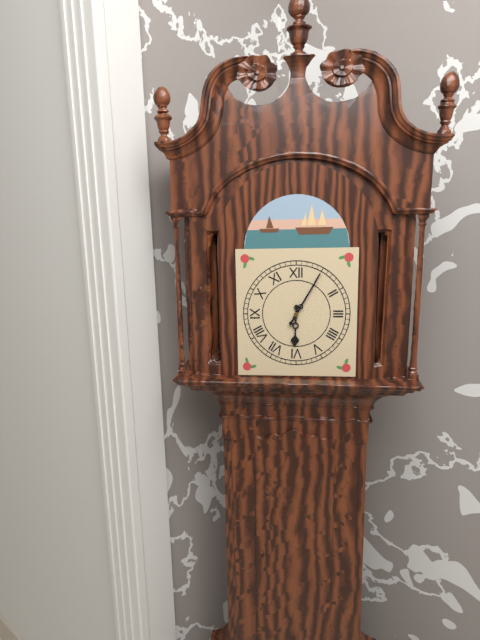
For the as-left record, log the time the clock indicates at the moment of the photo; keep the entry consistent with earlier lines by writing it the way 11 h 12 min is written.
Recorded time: 6 h 05 min
